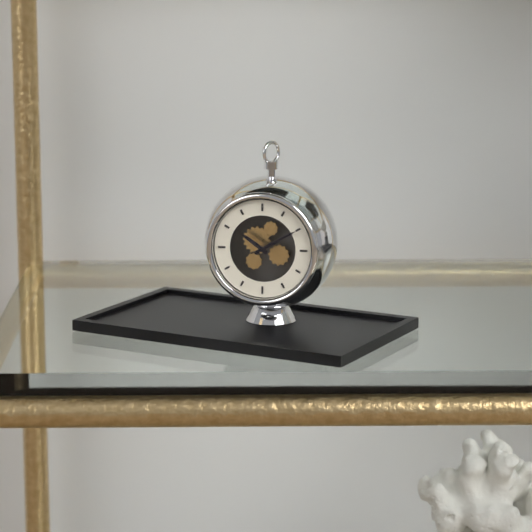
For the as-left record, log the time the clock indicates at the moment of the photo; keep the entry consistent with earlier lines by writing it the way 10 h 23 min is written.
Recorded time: 10 h 10 min
